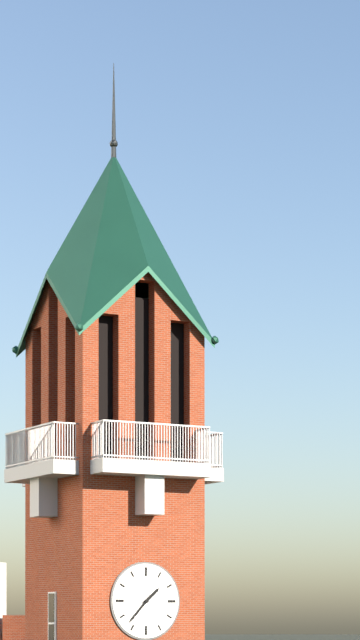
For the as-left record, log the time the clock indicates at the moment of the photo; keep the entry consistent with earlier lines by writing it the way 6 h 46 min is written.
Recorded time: 1 h 37 min
